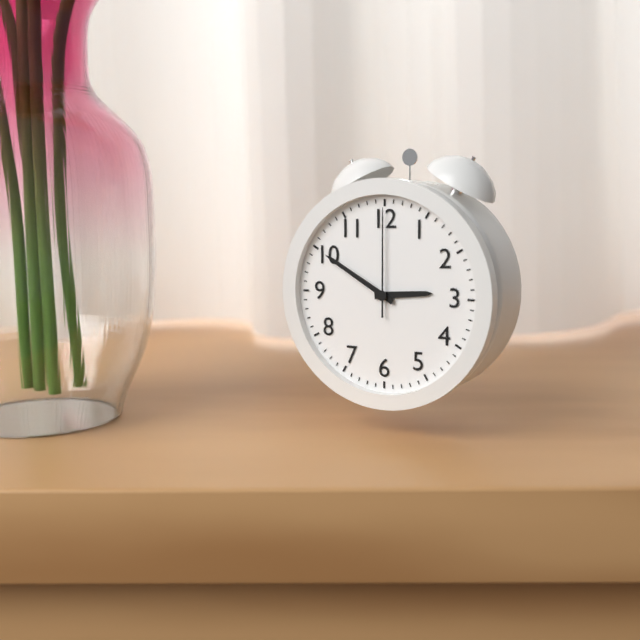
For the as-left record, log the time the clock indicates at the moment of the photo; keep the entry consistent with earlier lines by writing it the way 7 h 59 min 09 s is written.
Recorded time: 2 h 50 min 00 s
